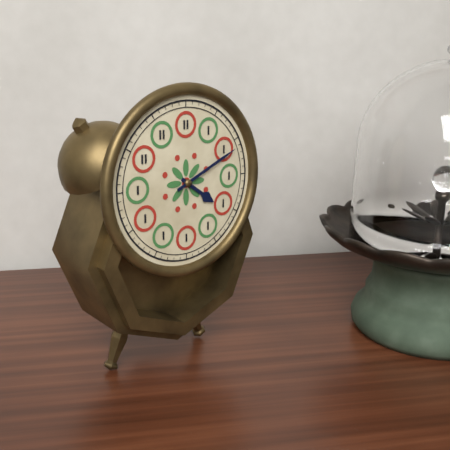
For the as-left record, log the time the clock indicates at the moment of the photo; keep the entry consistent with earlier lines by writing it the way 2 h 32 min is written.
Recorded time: 4 h 11 min
